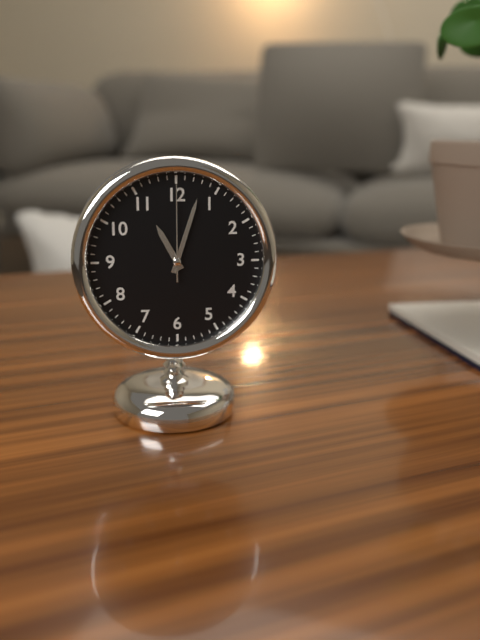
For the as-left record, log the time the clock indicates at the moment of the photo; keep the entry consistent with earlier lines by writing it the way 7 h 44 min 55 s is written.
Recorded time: 11 h 03 min 00 s
